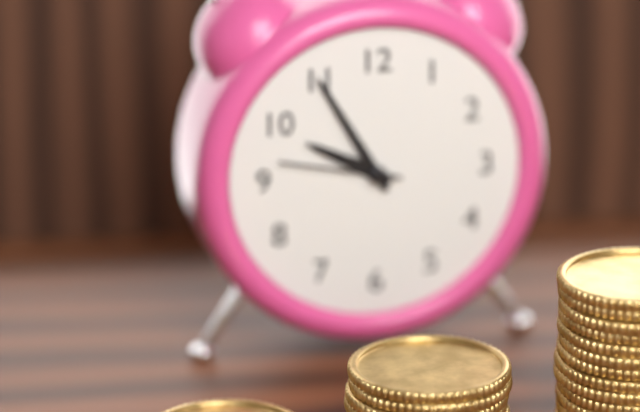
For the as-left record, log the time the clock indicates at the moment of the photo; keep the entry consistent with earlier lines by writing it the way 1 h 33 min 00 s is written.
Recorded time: 9 h 55 min 47 s
